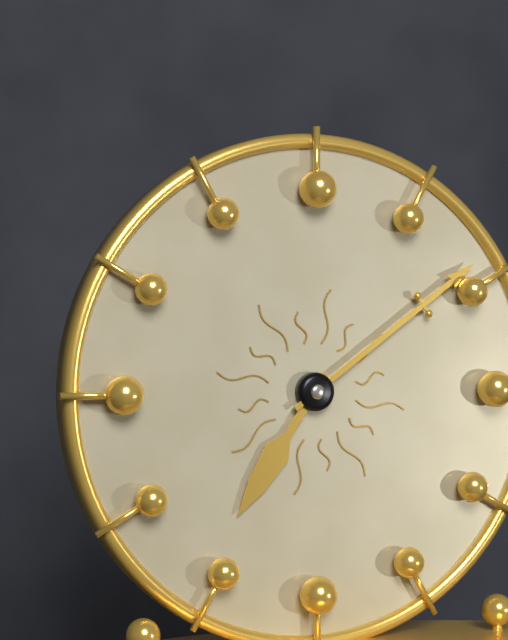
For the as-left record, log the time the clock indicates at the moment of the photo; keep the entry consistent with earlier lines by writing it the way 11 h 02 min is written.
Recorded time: 7 h 09 min
